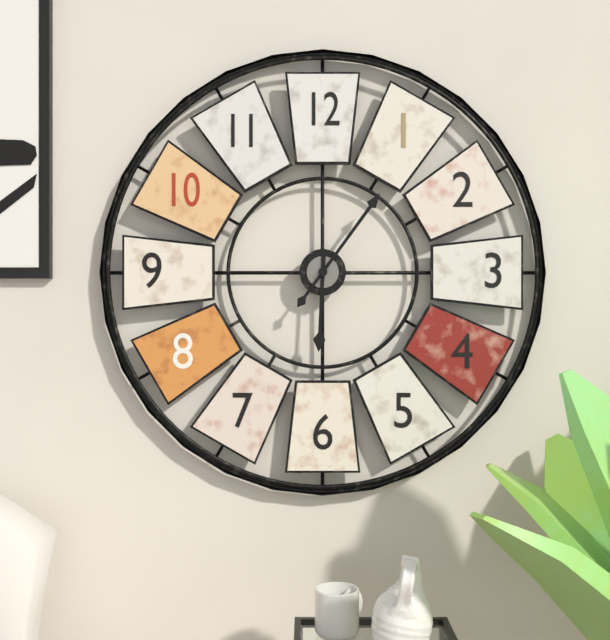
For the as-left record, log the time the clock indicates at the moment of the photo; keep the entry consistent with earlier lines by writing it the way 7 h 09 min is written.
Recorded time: 6 h 06 min
